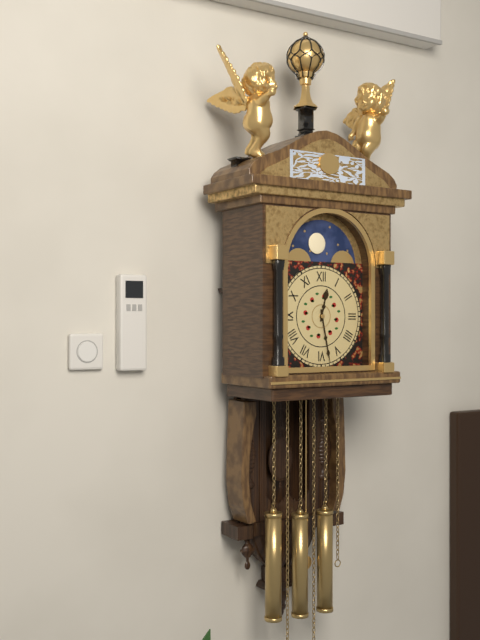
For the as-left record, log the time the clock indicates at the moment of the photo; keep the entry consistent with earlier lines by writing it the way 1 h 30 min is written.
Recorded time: 12 h 28 min
